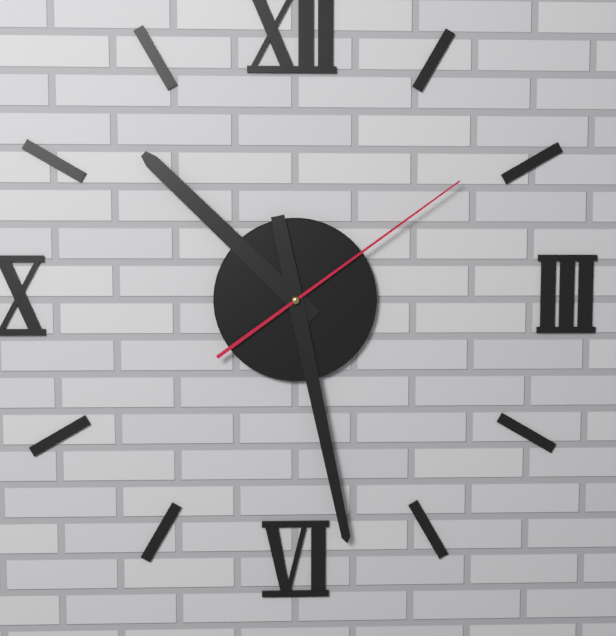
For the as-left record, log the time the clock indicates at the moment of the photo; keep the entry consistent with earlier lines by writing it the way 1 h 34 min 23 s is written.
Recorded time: 10 h 28 min 09 s
